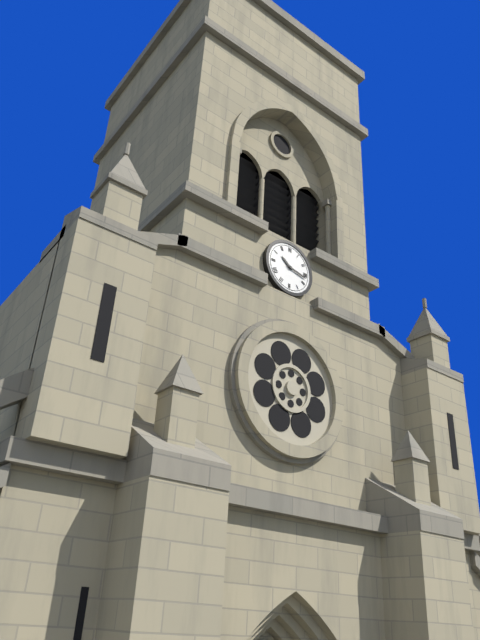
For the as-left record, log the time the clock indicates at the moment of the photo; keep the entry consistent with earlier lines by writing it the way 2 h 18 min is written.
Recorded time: 10 h 17 min
